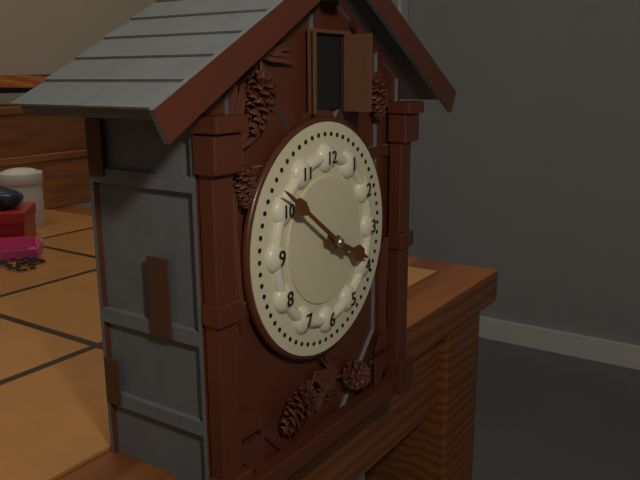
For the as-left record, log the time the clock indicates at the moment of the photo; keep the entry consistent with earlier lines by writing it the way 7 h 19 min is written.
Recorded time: 3 h 51 min
